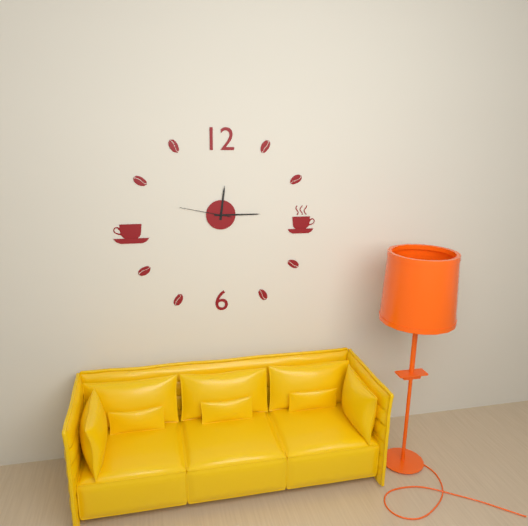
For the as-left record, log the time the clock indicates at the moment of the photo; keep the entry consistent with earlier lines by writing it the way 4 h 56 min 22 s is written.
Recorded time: 12 h 15 min 47 s
